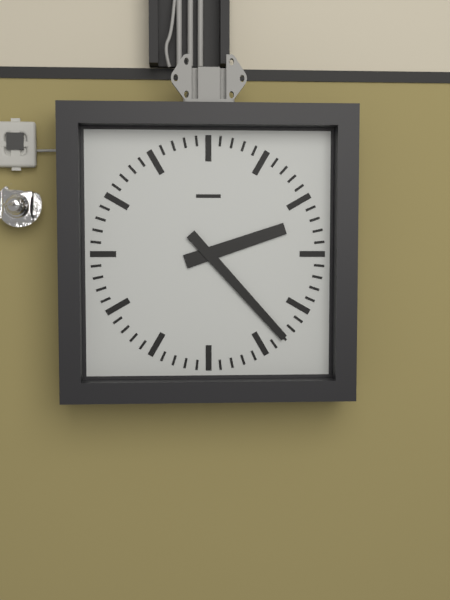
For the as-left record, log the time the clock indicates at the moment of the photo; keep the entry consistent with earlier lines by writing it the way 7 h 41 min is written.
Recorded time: 2 h 23 min
